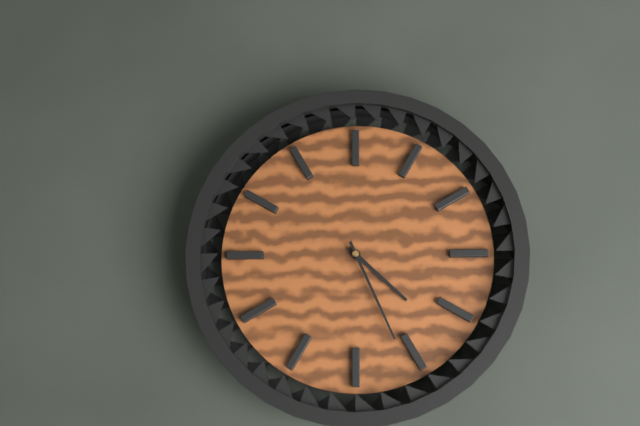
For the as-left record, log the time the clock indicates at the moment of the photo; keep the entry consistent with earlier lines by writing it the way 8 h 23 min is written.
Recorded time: 4 h 26 min
